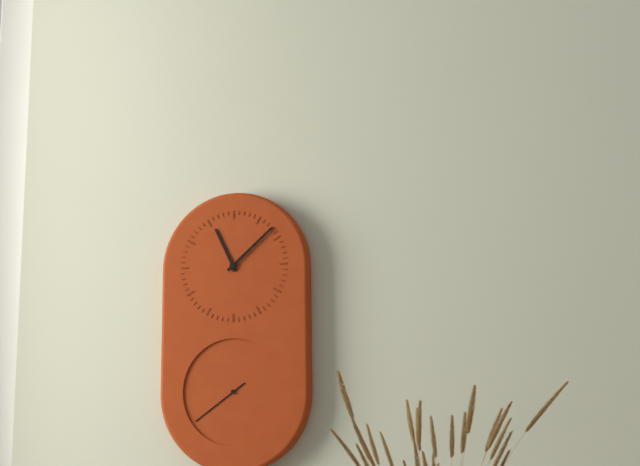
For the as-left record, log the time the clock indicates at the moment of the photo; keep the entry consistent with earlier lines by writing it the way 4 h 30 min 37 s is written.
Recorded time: 11 h 08 min 39 s
